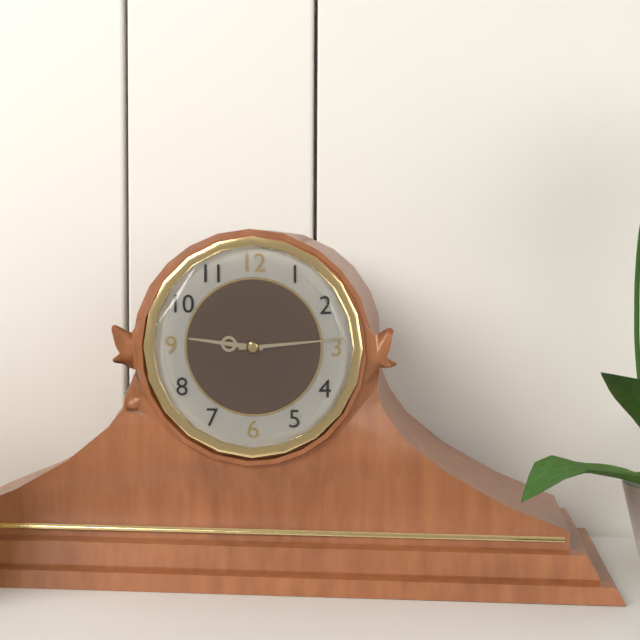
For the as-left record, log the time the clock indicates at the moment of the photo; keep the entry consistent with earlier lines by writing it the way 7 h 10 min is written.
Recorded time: 9 h 14 min
